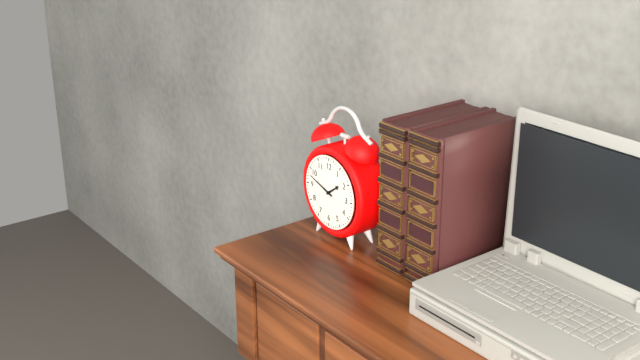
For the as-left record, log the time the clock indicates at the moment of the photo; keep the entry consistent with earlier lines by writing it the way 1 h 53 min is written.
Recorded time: 1 h 48 min
